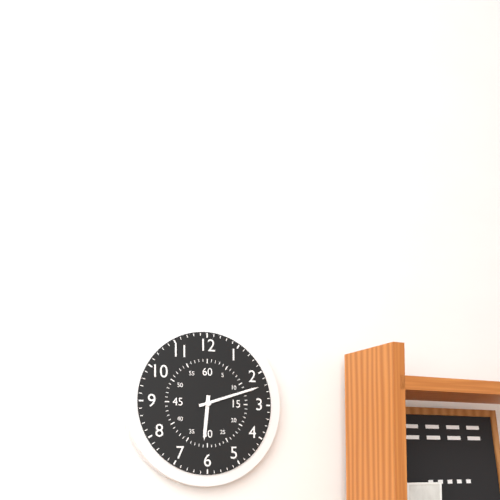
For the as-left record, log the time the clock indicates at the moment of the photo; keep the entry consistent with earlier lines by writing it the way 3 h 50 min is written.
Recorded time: 6 h 12 min
